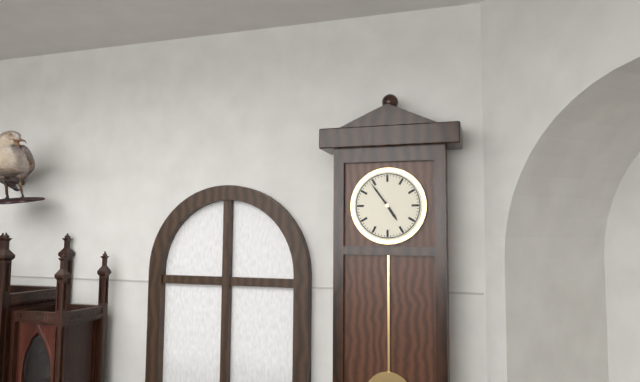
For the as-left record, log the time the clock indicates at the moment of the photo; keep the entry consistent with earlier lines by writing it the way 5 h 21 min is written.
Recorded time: 4 h 54 min
